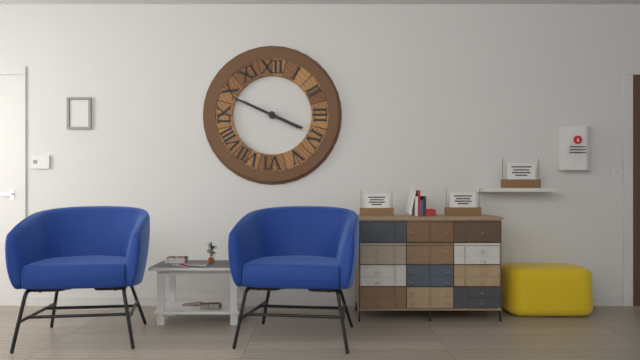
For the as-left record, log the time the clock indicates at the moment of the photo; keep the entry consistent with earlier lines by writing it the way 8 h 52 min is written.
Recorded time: 9 h 49 min
